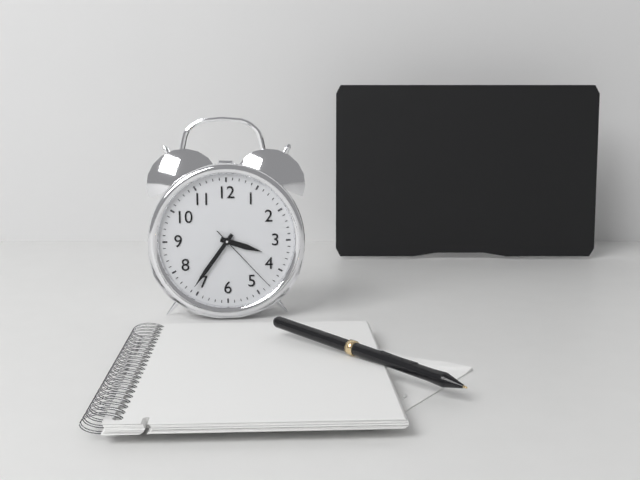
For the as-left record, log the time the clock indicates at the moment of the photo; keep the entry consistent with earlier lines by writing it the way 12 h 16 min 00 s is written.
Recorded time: 3 h 36 min 23 s
